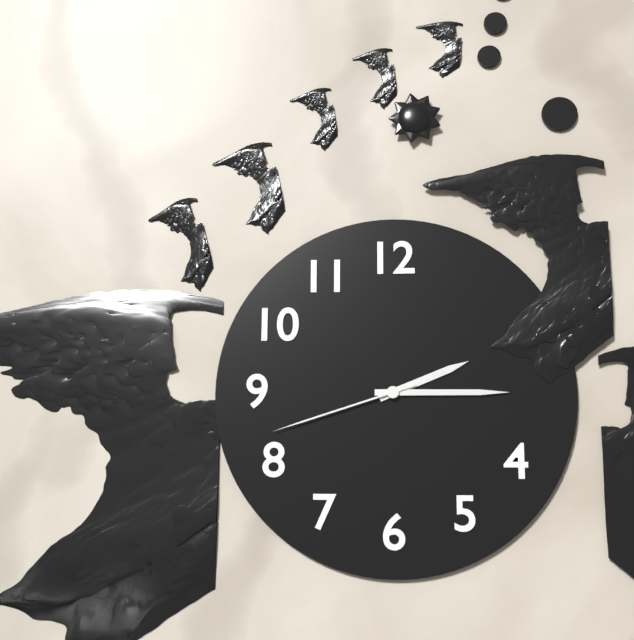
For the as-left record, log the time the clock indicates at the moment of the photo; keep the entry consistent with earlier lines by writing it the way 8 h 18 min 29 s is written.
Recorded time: 2 h 15 min 42 s
